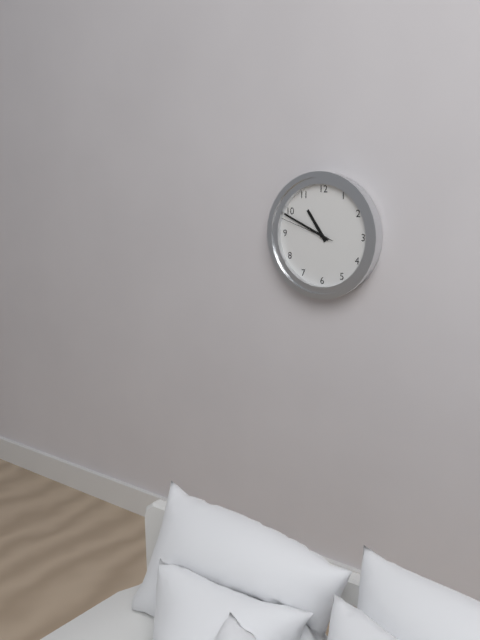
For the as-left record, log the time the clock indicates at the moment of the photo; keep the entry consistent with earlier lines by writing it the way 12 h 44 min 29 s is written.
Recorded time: 10 h 49 min 48 s
